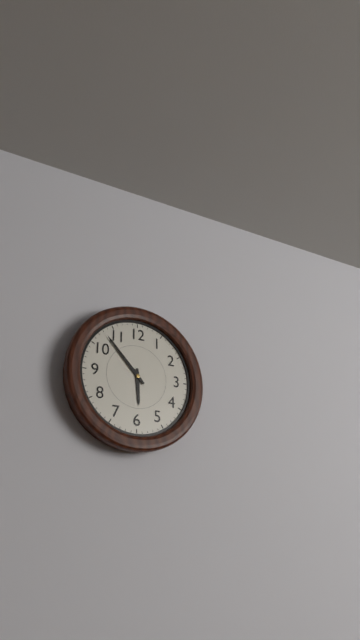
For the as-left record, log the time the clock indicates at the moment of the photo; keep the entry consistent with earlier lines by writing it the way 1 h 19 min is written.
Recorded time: 5 h 53 min
